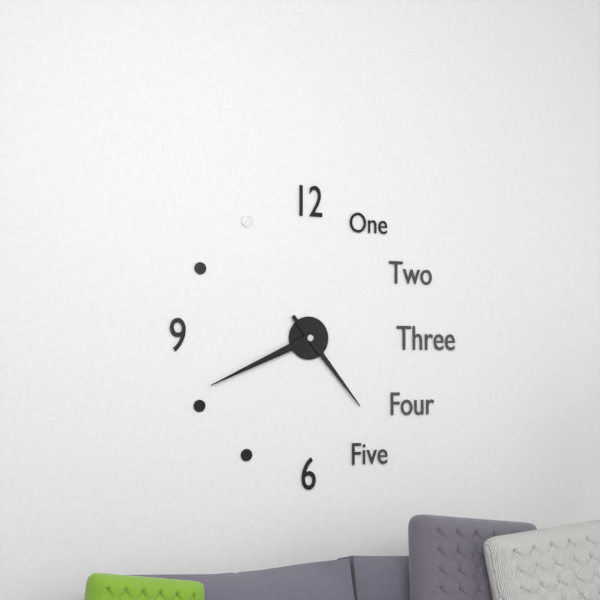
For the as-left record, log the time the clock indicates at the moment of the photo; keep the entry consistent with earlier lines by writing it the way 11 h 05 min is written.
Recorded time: 4 h 41 min
